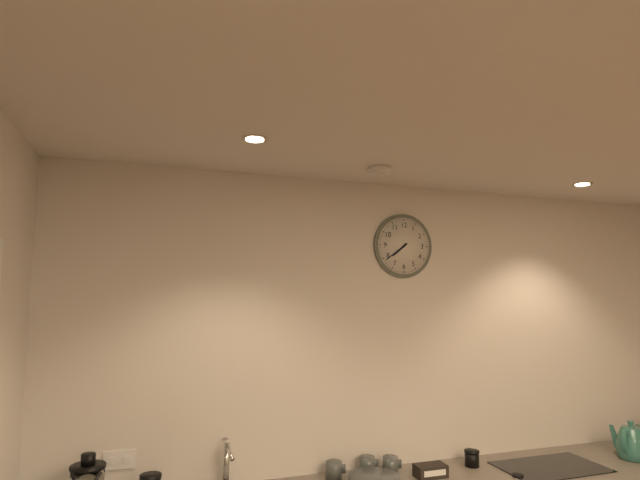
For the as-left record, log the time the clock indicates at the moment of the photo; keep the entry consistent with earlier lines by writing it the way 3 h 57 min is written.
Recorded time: 7 h 39 min
